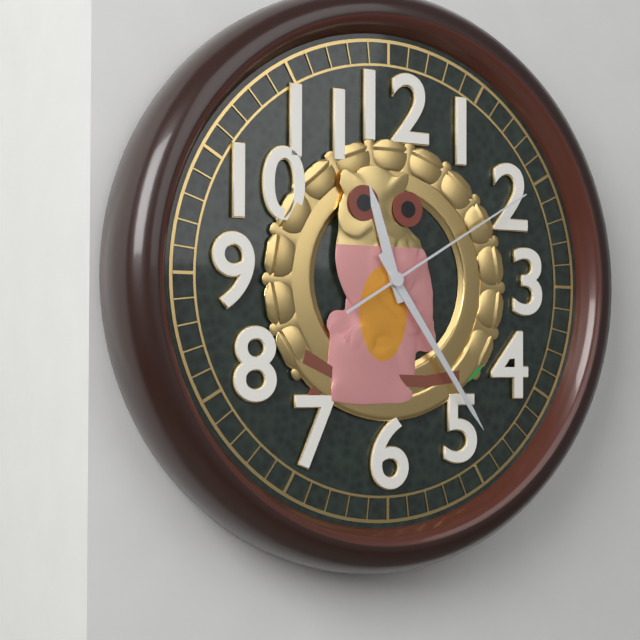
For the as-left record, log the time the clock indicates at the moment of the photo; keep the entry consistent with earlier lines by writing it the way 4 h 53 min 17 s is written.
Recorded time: 11 h 24 min 10 s
